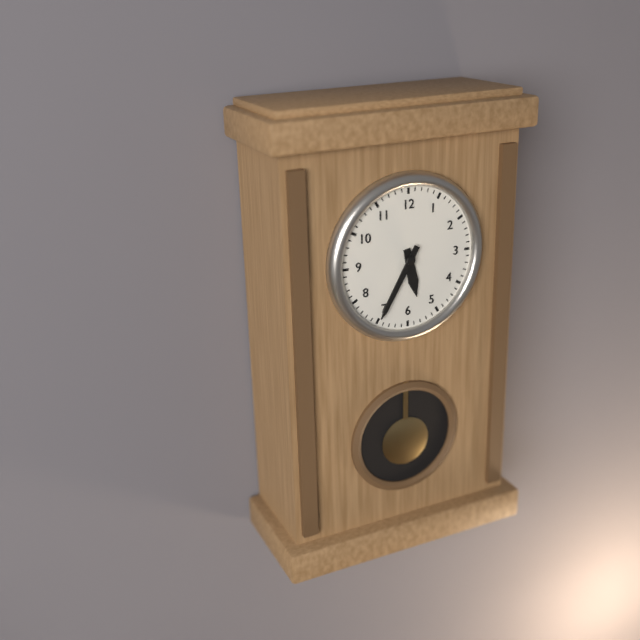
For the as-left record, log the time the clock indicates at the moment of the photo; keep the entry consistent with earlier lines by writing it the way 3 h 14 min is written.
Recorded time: 5 h 35 min
